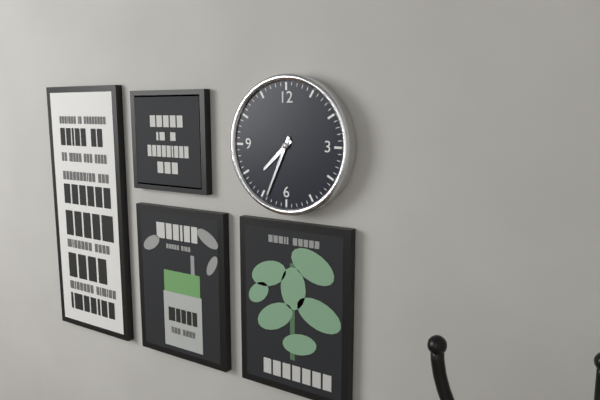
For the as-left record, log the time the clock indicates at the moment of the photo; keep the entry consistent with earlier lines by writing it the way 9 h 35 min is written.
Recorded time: 7 h 34 min
